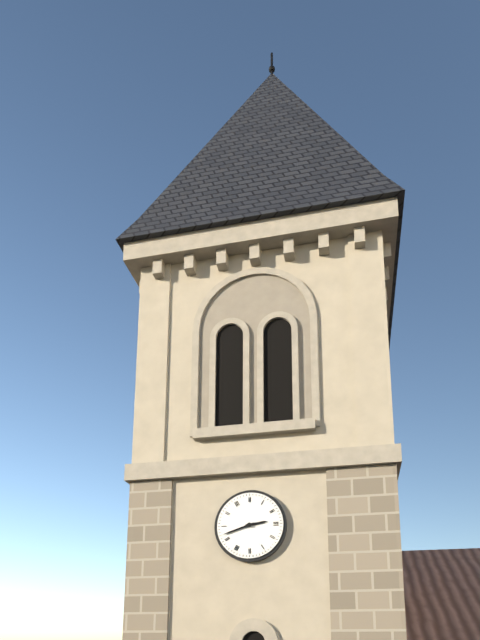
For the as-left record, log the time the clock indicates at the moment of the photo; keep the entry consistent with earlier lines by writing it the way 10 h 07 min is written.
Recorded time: 2 h 42 min
